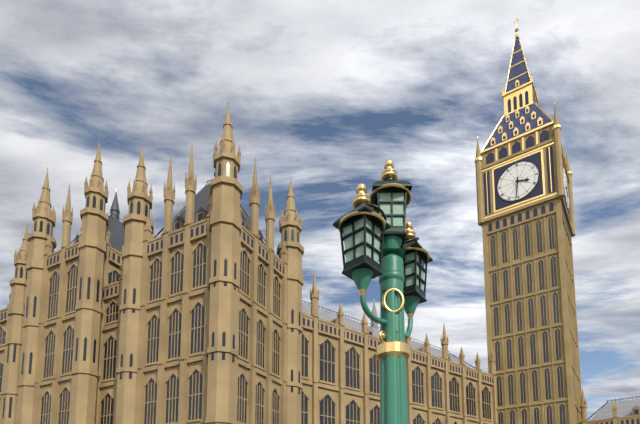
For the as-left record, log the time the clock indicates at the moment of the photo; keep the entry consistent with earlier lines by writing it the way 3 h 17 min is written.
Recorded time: 3 h 31 min
